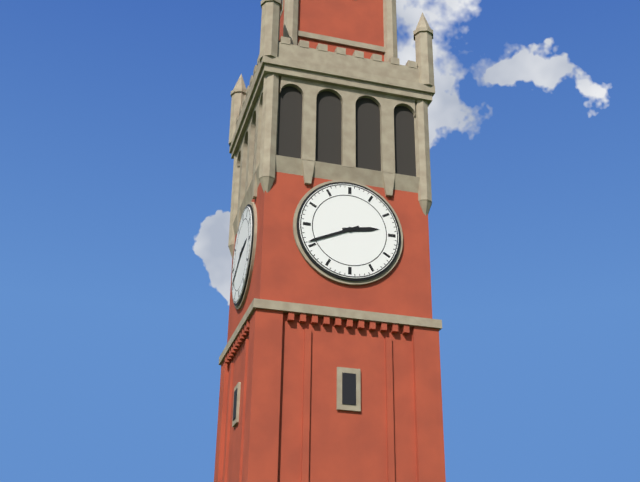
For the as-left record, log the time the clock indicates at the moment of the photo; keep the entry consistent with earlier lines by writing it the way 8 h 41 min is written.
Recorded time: 2 h 41 min
